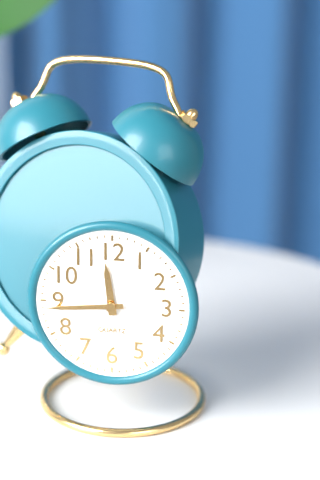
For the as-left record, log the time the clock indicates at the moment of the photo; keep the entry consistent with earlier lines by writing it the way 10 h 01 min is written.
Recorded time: 11 h 44 min
